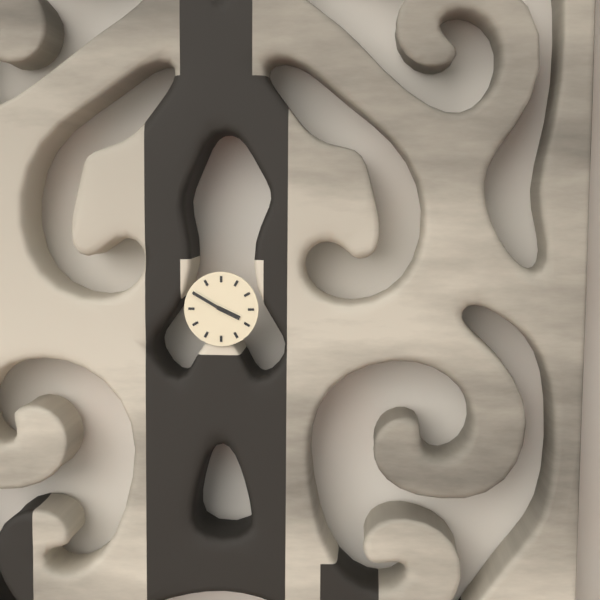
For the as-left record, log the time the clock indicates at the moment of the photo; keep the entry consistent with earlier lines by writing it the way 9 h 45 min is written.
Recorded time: 3 h 50 min
